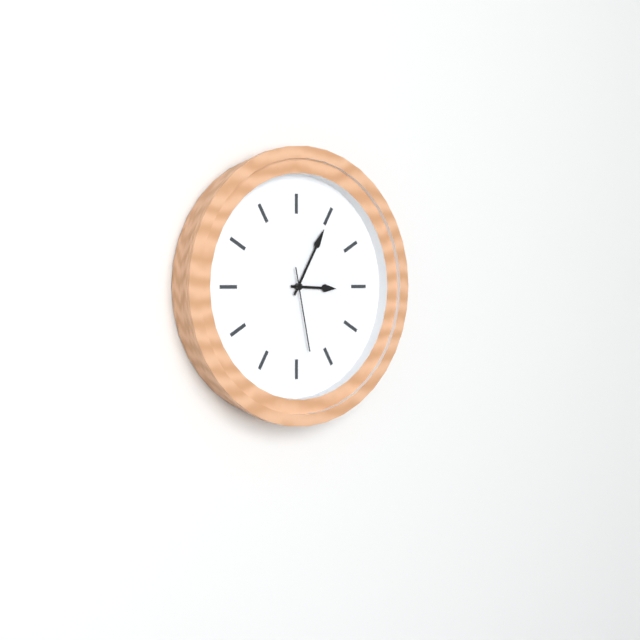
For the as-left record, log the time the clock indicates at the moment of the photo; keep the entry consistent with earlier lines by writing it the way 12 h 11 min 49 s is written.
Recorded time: 3 h 05 min 28 s
